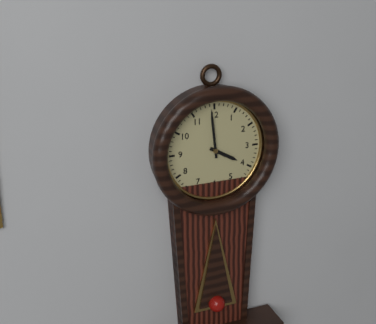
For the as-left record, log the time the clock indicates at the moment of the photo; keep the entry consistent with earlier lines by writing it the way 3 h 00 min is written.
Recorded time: 3 h 59 min
